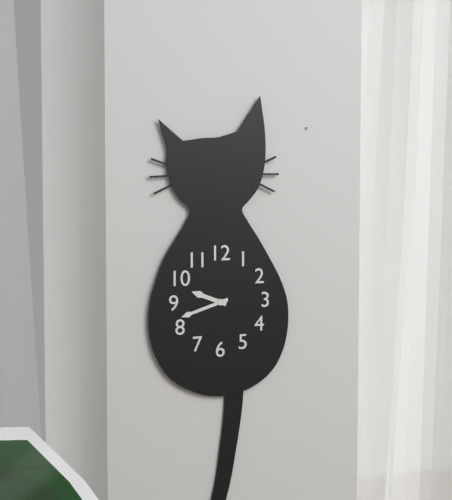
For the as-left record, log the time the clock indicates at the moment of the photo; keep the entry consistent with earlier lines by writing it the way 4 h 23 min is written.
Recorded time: 9 h 42 min
